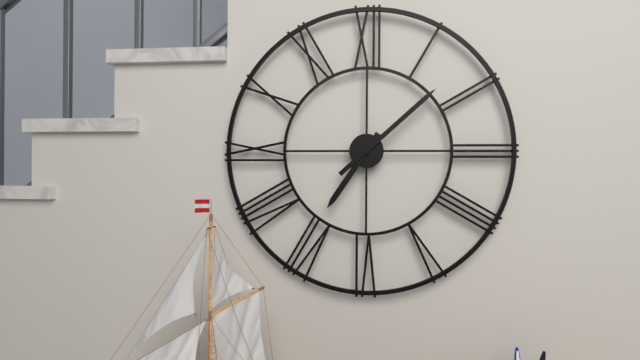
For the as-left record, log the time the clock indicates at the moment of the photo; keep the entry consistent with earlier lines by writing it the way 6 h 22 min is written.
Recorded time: 7 h 08 min
